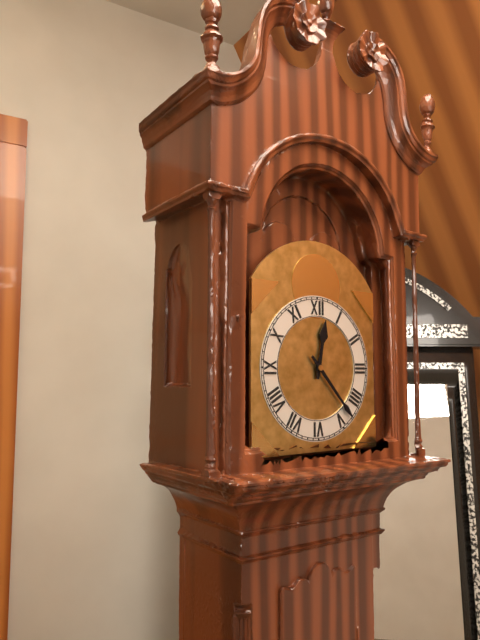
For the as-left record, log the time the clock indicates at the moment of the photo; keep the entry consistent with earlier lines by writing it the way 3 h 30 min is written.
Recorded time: 12 h 23 min
